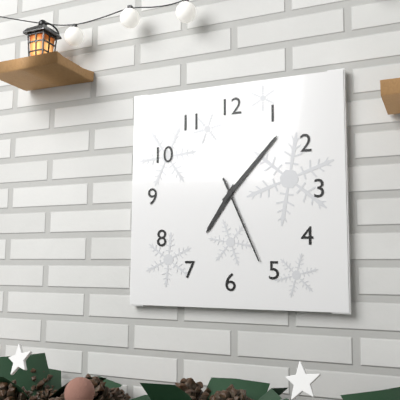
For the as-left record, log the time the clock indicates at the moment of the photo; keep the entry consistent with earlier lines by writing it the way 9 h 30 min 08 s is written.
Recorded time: 7 h 07 min 26 s
